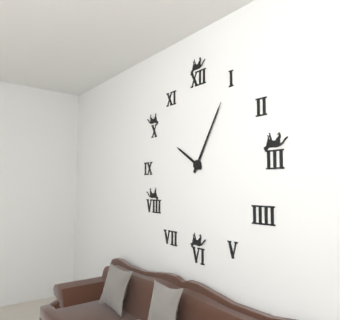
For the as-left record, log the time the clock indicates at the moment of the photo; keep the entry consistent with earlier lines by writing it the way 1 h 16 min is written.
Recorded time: 10 h 05 min
